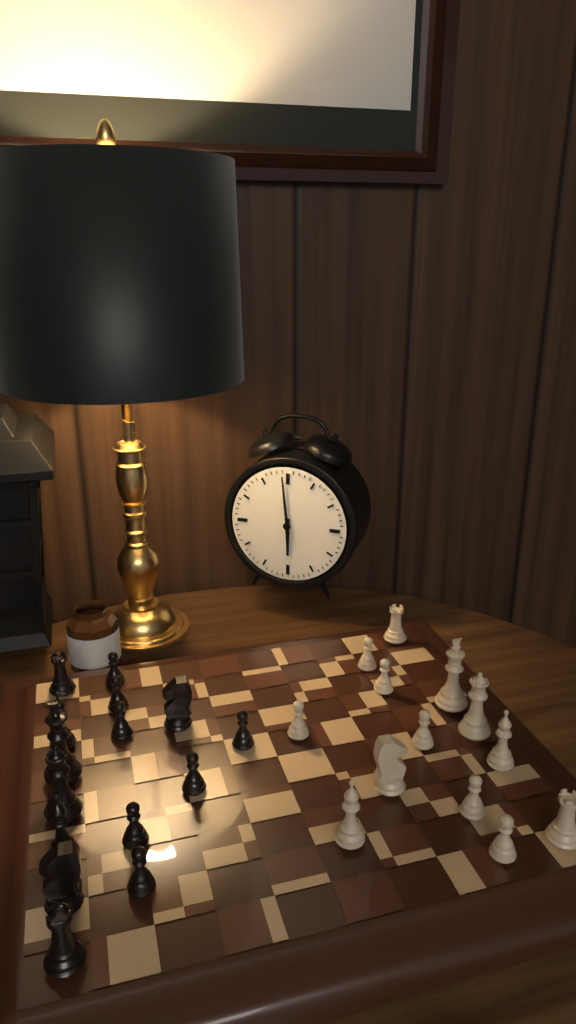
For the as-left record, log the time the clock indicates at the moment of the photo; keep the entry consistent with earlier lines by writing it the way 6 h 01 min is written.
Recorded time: 5 h 59 min
